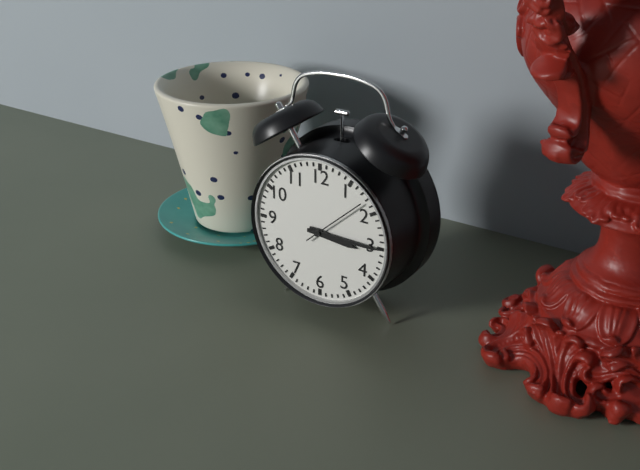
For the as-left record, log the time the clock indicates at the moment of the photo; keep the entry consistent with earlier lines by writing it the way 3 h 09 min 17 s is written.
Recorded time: 3 h 15 min 08 s
